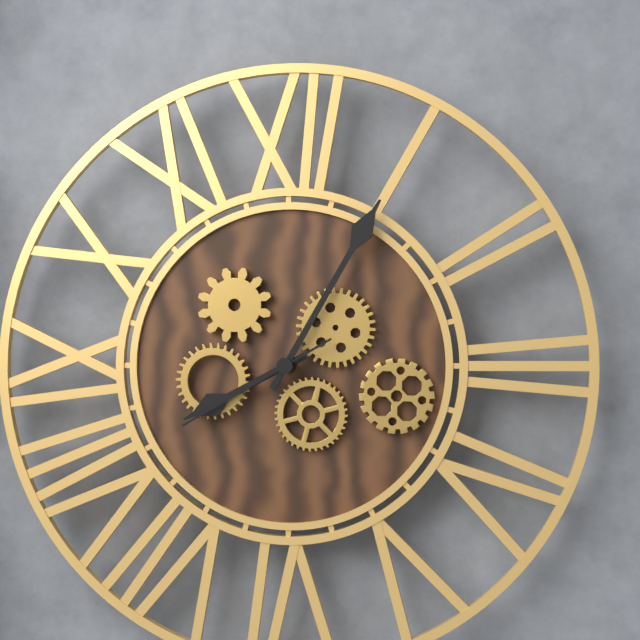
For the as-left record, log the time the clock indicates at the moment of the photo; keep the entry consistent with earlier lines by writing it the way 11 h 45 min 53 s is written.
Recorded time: 8 h 05 min 40 s
